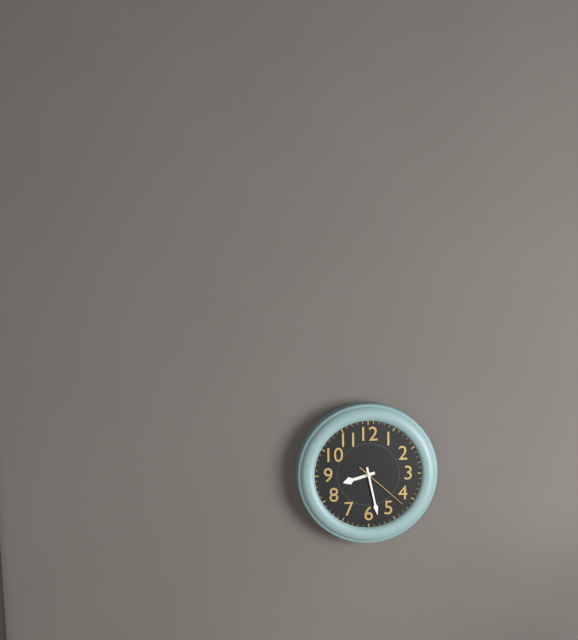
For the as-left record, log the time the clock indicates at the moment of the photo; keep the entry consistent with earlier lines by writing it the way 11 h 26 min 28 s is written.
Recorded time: 8 h 28 min 22 s
